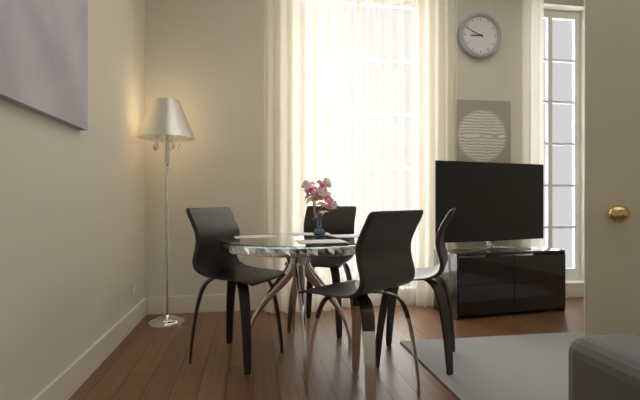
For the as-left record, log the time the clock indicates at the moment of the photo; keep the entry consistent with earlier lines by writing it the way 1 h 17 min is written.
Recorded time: 8 h 49 min
